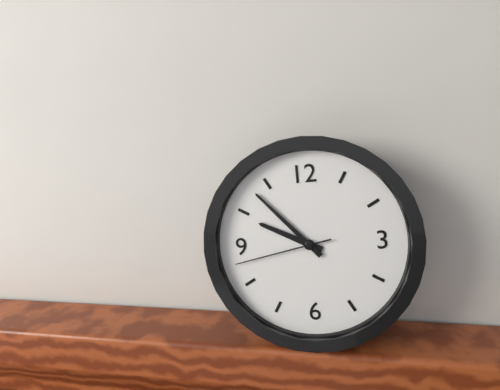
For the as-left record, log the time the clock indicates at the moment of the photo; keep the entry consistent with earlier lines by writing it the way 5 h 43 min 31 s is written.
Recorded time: 9 h 53 min 43 s
